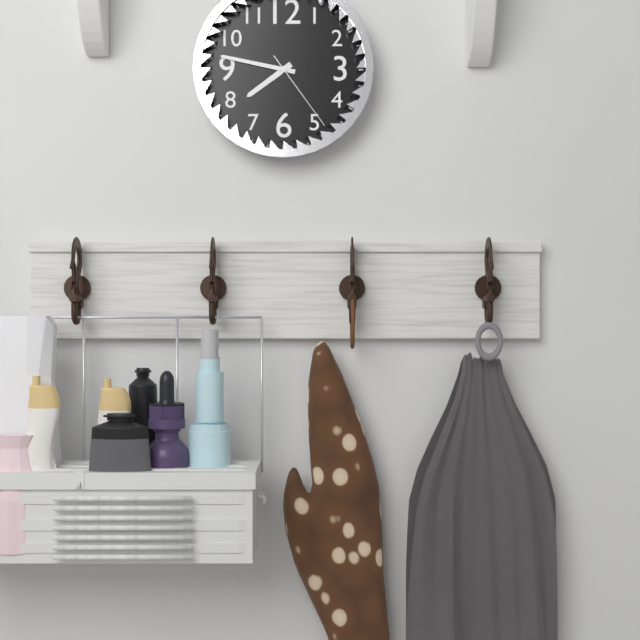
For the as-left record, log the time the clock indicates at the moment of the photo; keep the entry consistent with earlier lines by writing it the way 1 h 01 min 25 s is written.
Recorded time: 7 h 47 min 24 s
